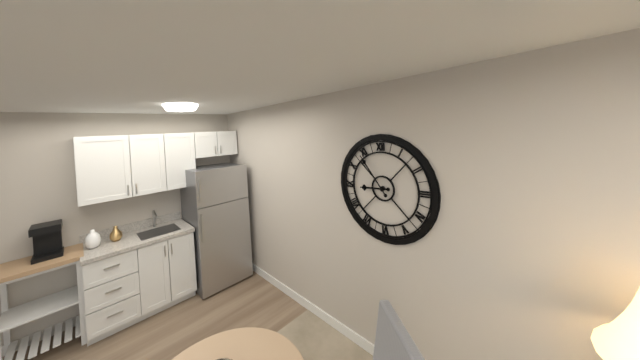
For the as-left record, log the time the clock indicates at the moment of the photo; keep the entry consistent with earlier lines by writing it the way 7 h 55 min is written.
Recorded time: 8 h 54 min
